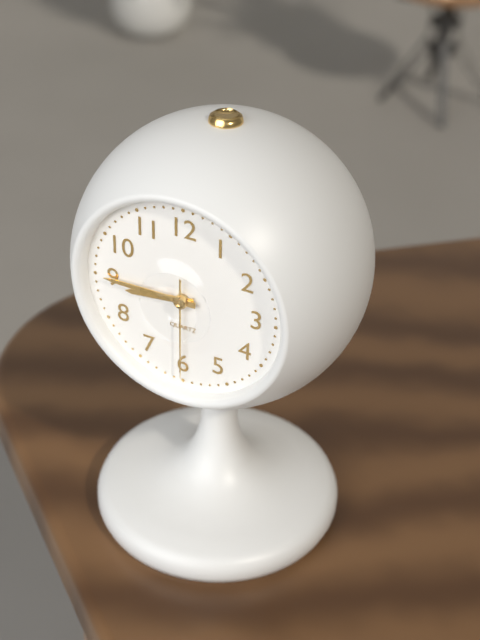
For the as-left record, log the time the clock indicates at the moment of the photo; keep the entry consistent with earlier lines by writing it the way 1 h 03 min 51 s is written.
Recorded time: 8 h 45 min 30 s
